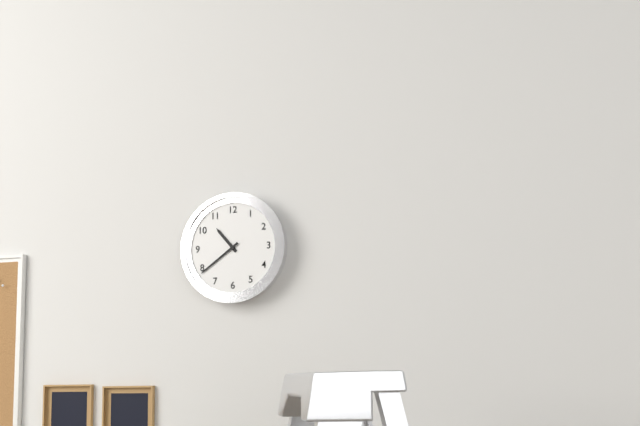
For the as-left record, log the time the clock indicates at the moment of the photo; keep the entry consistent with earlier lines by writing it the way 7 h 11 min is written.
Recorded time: 10 h 39 min
